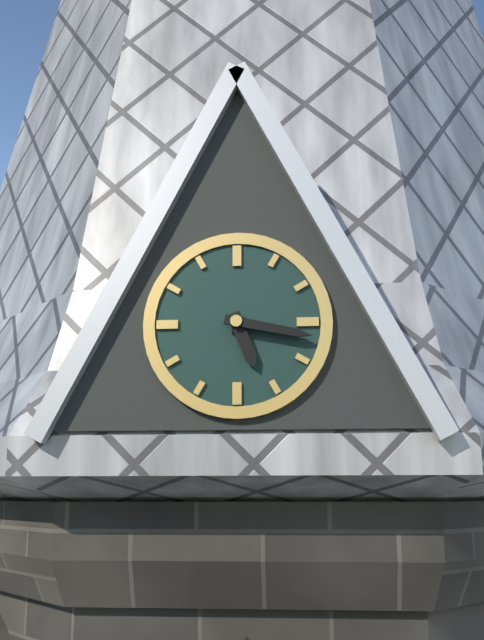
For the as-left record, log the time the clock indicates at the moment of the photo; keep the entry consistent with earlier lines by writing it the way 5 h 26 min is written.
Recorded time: 5 h 17 min
